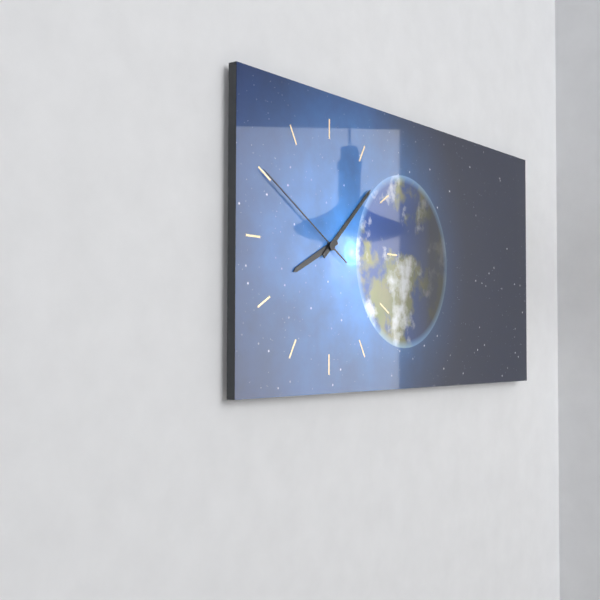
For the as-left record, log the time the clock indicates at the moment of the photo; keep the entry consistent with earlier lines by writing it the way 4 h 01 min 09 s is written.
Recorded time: 8 h 08 min 50 s
